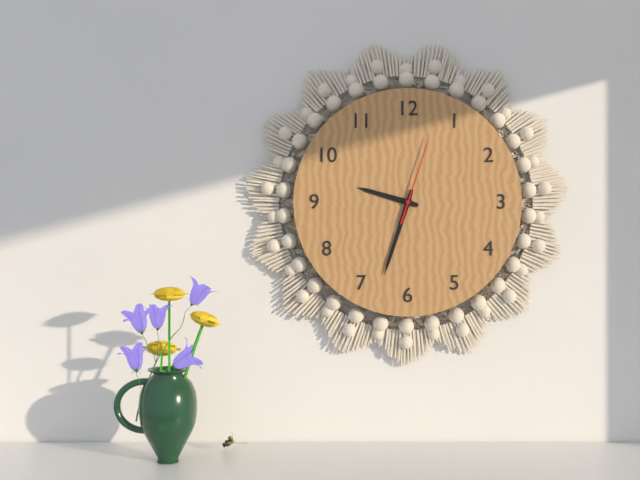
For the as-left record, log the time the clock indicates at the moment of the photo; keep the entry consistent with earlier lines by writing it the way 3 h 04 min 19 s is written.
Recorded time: 9 h 33 min 03 s
